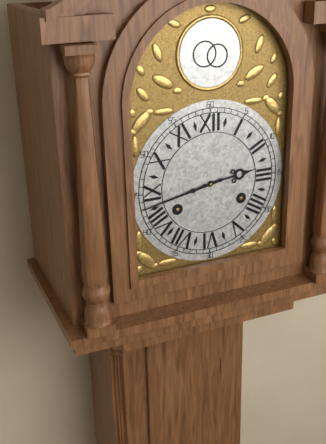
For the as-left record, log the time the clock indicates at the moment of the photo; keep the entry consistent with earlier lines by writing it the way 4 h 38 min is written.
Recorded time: 2 h 43 min
